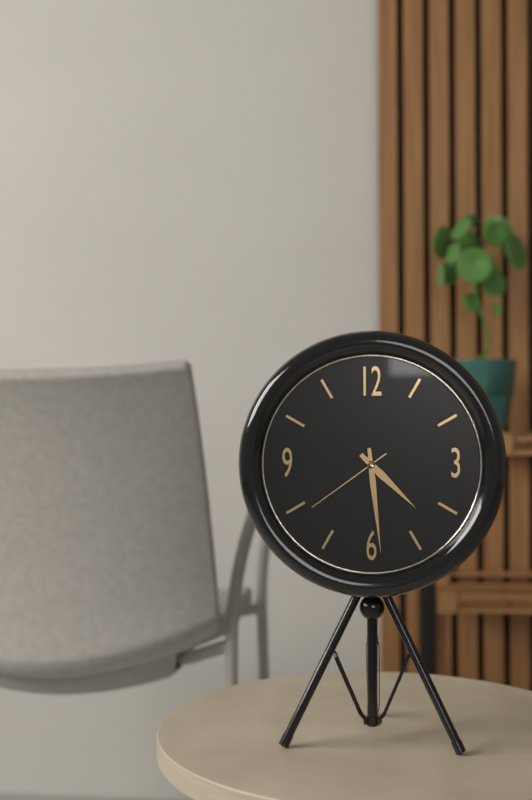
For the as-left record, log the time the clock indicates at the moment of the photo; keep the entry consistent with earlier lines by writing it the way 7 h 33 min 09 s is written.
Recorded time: 4 h 29 min 39 s
